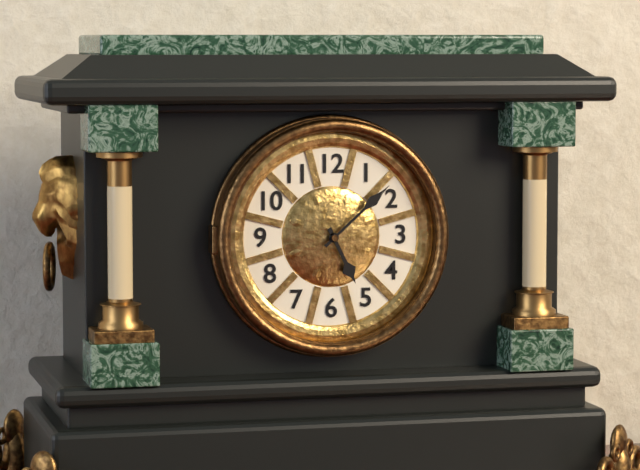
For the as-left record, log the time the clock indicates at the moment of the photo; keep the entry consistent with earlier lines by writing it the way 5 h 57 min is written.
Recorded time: 5 h 08 min
